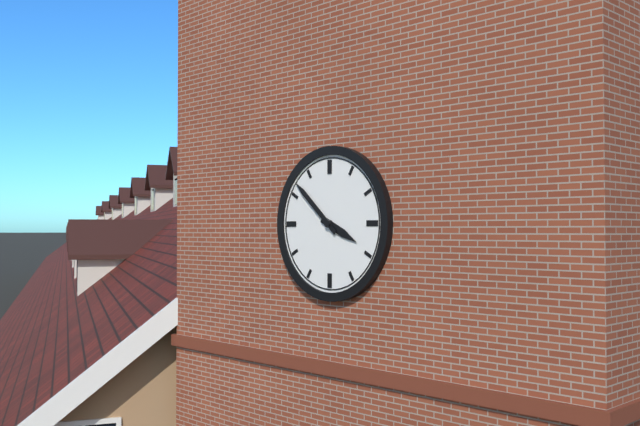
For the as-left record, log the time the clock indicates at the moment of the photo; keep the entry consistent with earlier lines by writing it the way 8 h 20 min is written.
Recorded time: 3 h 52 min
